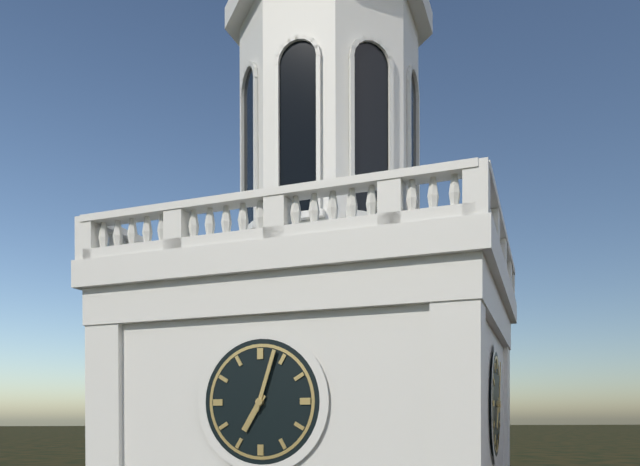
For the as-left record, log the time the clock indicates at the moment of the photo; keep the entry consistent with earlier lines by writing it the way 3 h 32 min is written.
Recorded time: 7 h 03 min
